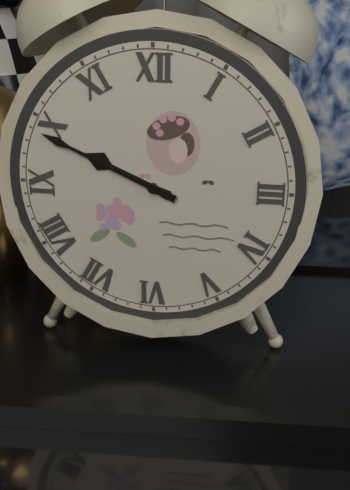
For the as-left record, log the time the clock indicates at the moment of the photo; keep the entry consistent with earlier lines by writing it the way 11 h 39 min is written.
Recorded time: 9 h 49 min
